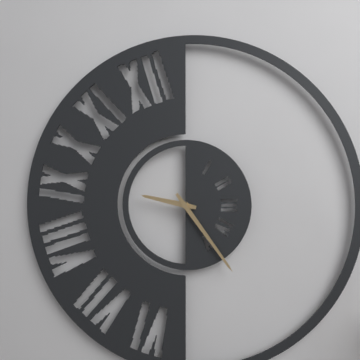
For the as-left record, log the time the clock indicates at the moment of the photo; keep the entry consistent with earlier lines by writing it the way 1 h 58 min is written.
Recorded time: 9 h 24 min
